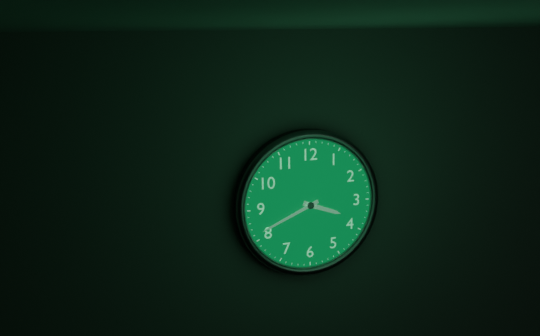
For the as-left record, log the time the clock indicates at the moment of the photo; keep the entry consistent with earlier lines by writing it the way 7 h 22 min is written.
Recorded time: 3 h 41 min
